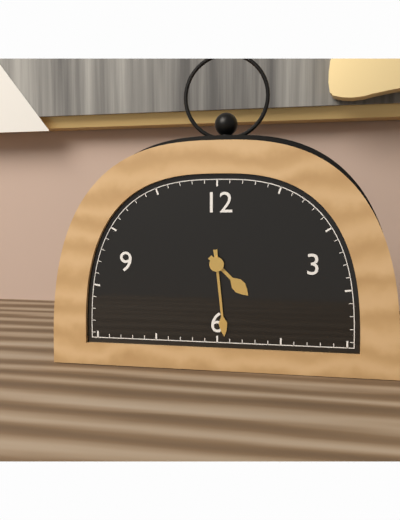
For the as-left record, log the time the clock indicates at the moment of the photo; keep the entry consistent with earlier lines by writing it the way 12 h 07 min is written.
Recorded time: 4 h 29 min
